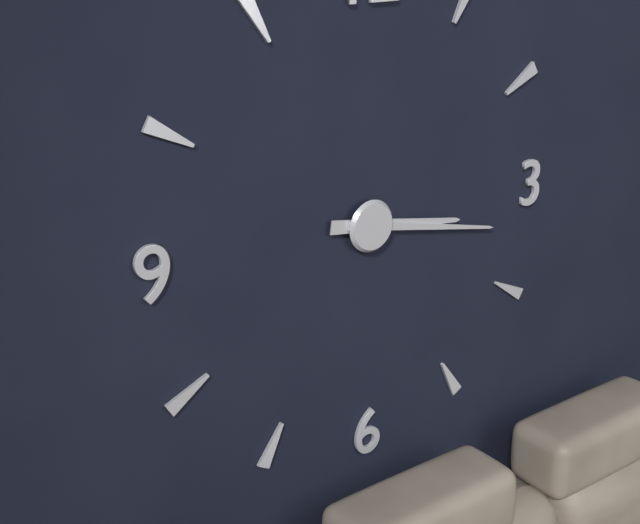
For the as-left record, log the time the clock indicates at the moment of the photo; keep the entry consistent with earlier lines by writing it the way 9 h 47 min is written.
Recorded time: 3 h 17 min
